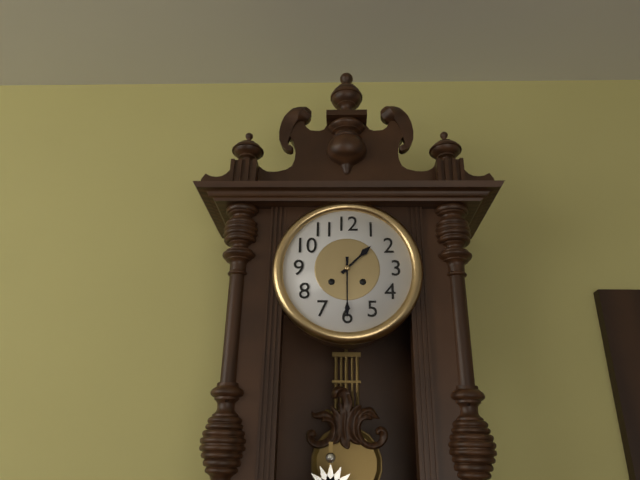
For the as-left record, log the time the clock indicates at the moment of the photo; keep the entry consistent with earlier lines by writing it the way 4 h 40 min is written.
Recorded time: 1 h 30 min
